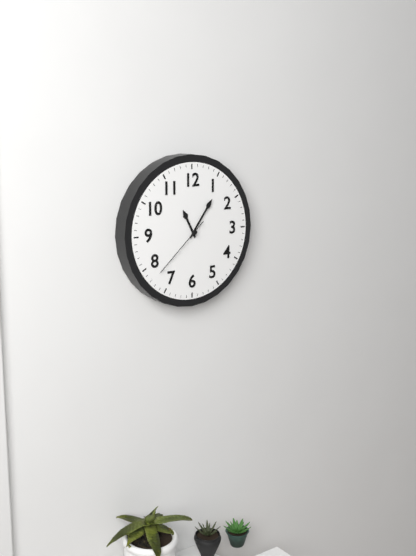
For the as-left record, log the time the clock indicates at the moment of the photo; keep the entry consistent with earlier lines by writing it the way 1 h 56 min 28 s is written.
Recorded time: 11 h 06 min 38 s
